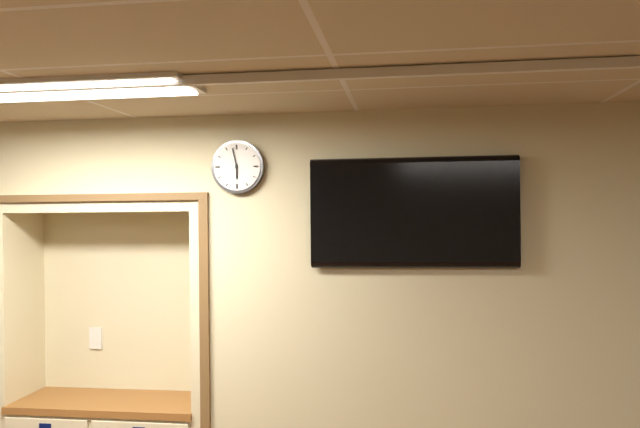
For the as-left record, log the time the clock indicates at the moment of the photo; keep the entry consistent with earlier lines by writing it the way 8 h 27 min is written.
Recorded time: 5 h 58 min
